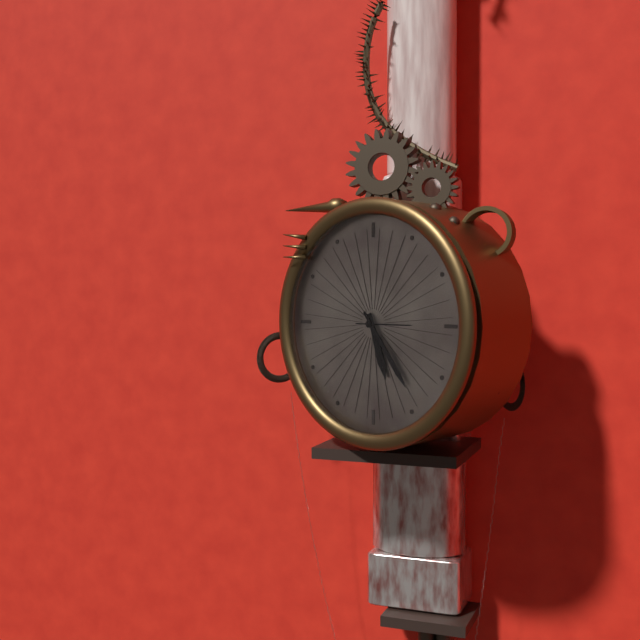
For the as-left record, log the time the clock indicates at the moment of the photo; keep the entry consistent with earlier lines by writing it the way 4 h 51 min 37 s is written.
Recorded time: 5 h 24 min 15 s
